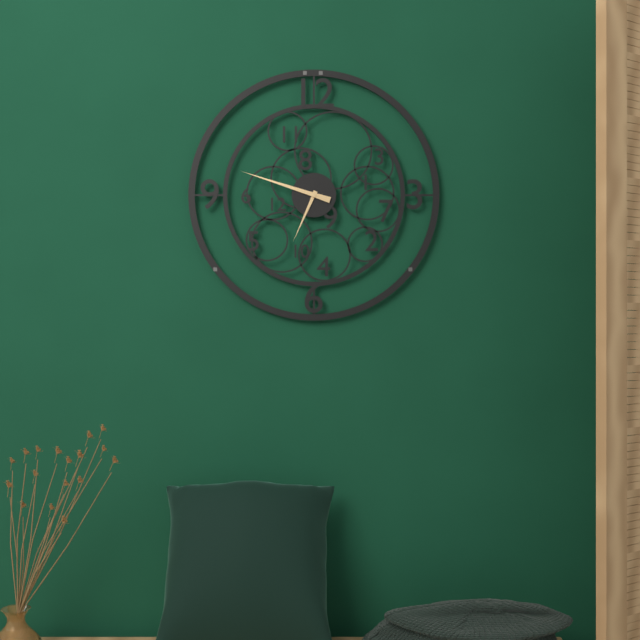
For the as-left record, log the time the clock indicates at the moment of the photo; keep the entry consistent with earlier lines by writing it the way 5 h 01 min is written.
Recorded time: 6 h 48 min
